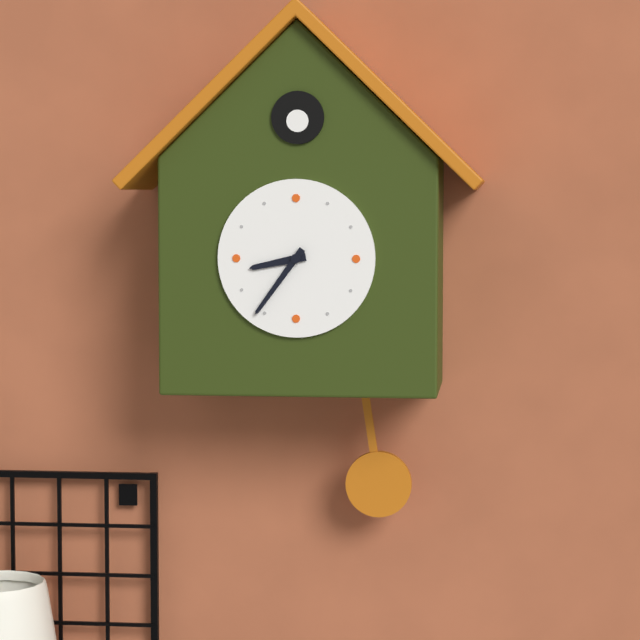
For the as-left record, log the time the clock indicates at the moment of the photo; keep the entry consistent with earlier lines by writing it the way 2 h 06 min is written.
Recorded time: 8 h 36 min
